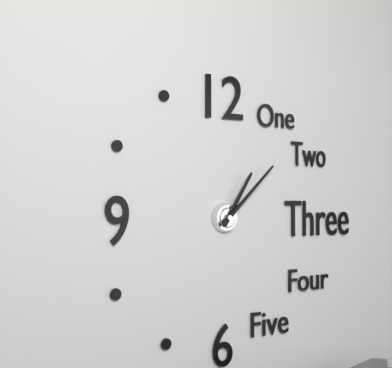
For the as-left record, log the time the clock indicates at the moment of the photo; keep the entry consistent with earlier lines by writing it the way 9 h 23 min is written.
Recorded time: 1 h 08 min
